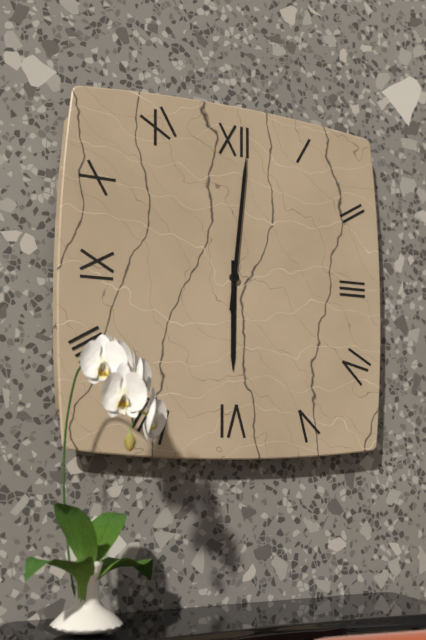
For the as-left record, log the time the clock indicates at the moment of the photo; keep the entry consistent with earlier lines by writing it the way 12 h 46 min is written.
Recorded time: 6 h 01 min
